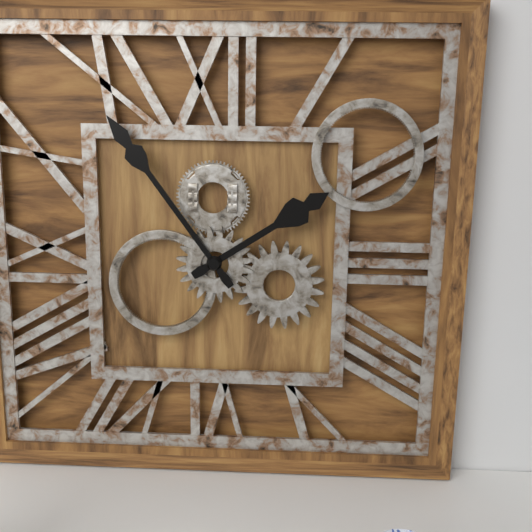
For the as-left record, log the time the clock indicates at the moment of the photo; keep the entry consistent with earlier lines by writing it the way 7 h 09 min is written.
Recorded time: 1 h 54 min
